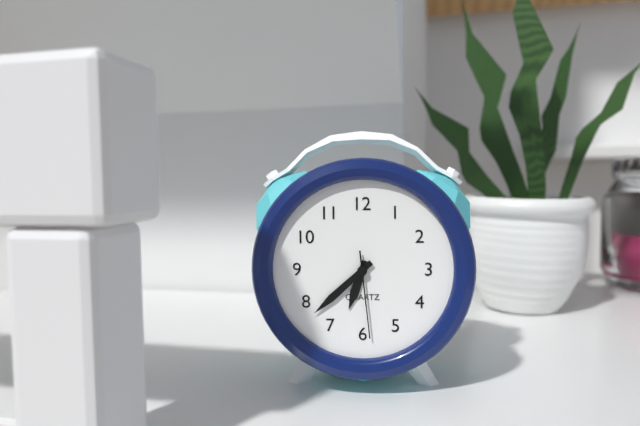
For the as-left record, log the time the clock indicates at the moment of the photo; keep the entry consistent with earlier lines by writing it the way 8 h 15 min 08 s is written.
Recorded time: 6 h 38 min 29 s
